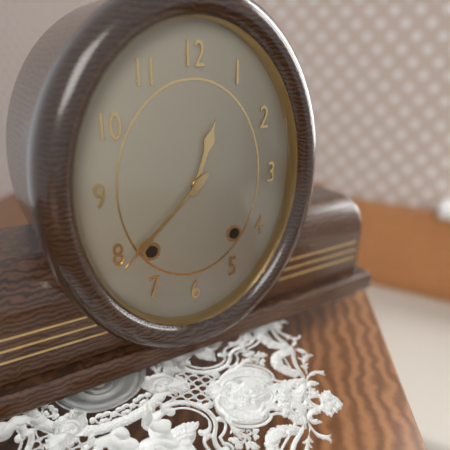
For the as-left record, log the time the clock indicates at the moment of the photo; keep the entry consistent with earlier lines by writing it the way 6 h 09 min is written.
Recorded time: 12 h 38 min
